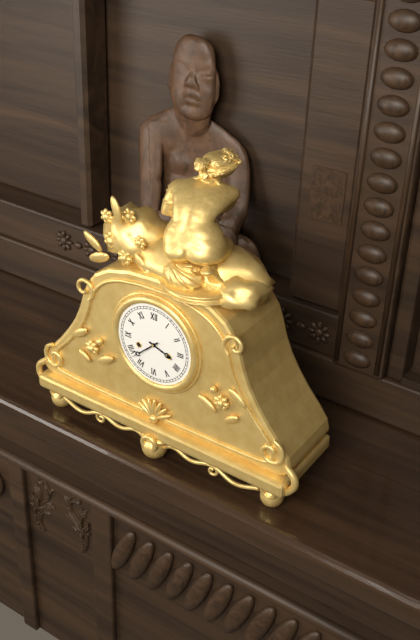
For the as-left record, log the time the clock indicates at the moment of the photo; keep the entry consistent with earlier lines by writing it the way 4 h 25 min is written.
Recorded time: 3 h 38 min
